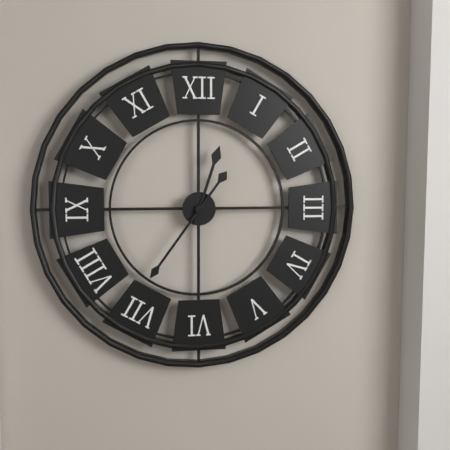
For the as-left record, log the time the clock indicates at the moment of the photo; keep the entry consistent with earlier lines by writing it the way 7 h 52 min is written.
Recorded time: 12 h 36 min
